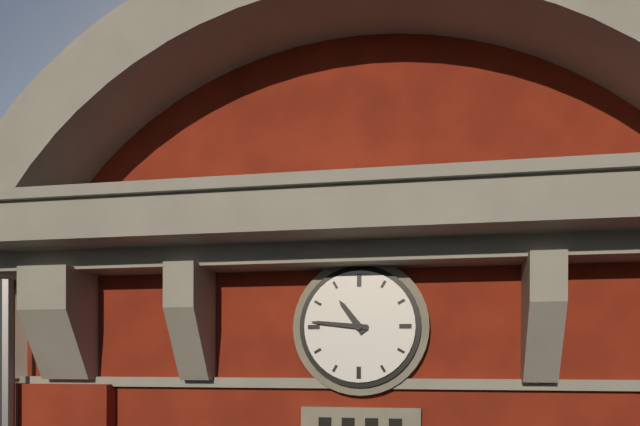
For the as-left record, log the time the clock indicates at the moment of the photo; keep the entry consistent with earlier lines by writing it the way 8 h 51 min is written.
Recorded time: 10 h 46 min
